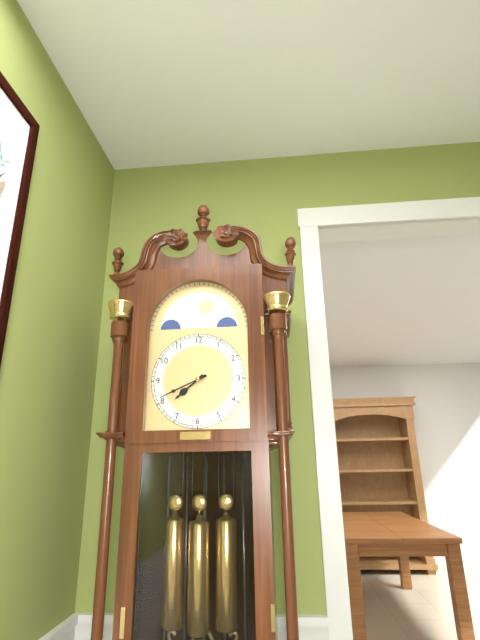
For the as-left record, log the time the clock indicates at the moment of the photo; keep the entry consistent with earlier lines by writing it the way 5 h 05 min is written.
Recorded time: 7 h 41 min
